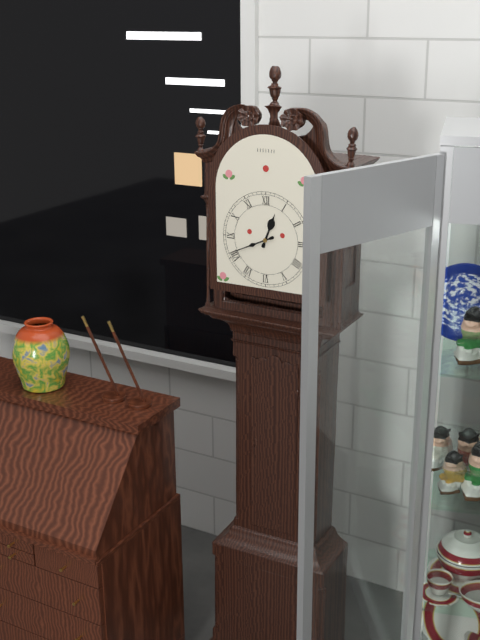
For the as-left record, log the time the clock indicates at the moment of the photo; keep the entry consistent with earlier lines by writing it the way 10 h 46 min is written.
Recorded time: 12 h 41 min
